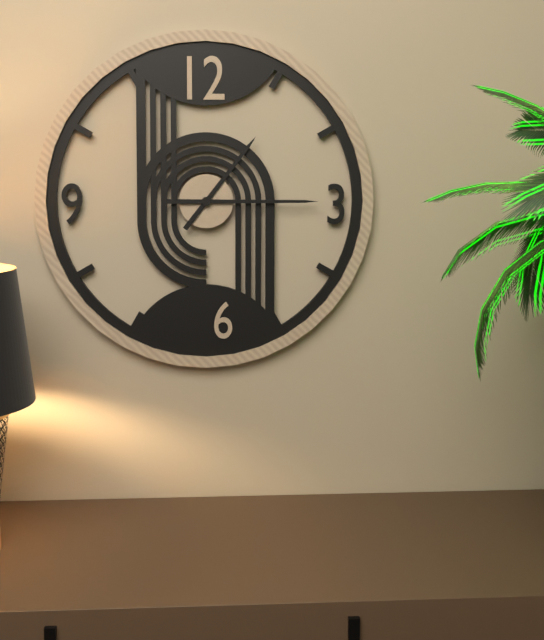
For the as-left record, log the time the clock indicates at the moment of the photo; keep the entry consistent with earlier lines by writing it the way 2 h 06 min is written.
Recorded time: 1 h 15 min
